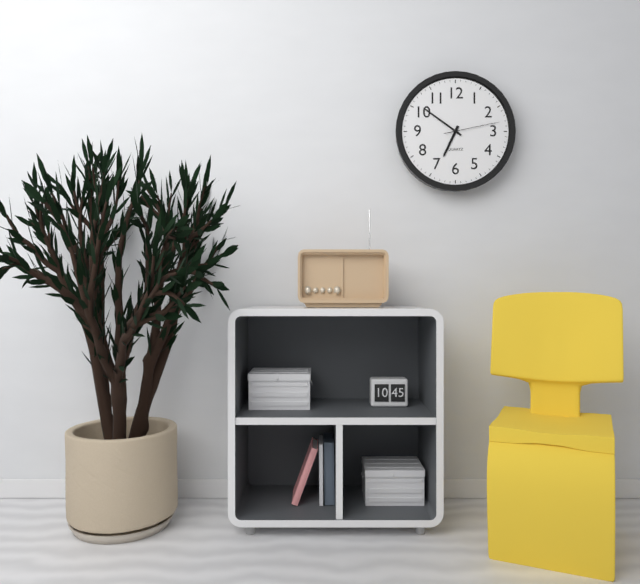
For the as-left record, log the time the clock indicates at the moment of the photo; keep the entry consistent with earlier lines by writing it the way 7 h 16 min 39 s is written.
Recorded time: 6 h 51 min 13 s
